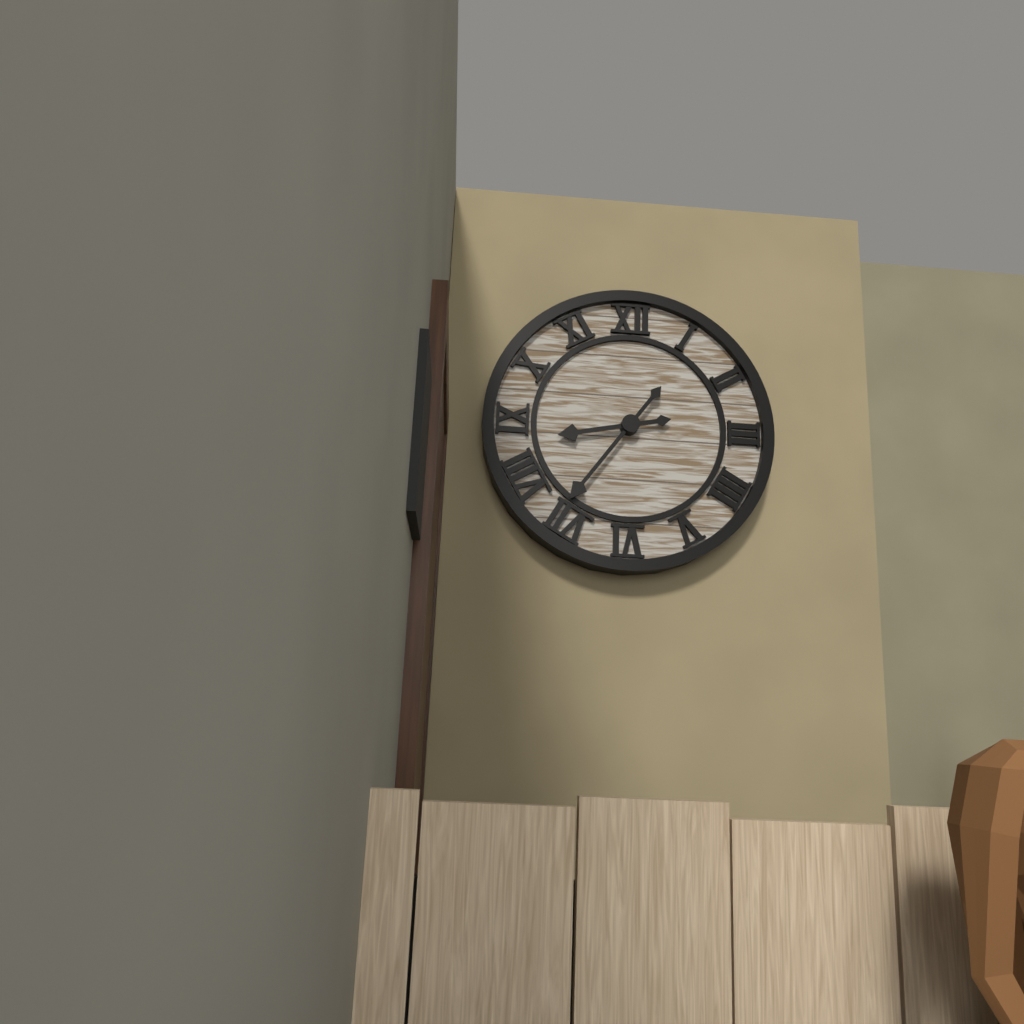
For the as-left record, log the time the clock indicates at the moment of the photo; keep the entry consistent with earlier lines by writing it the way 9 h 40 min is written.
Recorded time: 8 h 36 min
